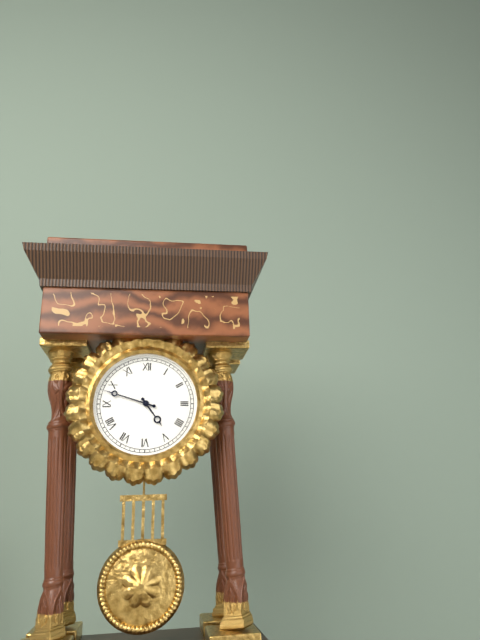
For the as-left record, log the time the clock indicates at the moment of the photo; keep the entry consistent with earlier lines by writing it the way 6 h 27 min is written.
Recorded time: 4 h 48 min
